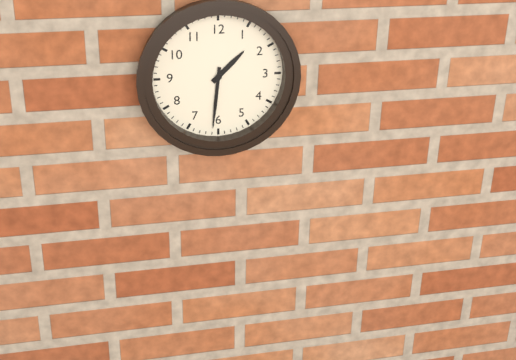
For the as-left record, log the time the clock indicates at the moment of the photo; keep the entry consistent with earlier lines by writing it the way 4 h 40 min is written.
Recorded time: 1 h 31 min
